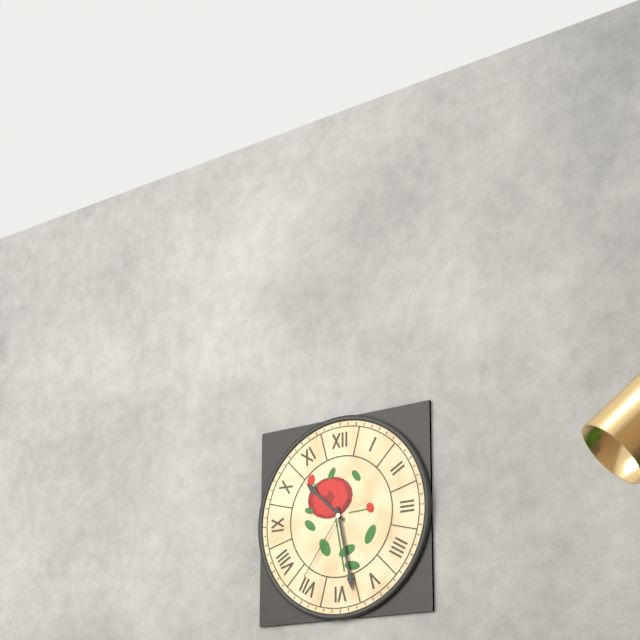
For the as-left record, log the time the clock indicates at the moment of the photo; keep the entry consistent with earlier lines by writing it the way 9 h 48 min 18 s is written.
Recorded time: 10 h 28 min 36 s
